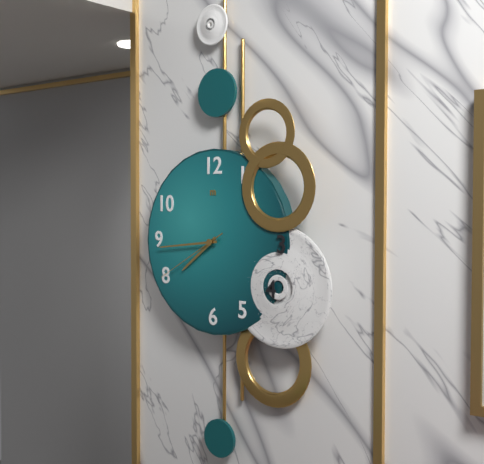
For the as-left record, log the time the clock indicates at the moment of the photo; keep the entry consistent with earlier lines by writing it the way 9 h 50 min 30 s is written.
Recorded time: 7 h 44 min 40 s
